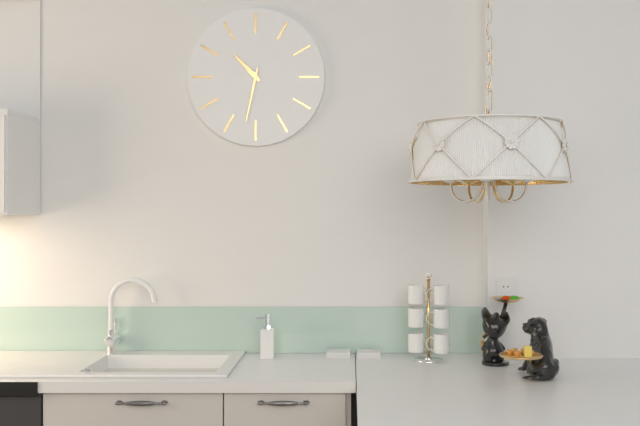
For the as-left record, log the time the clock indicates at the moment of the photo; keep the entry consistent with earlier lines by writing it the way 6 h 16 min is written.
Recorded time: 10 h 32 min
